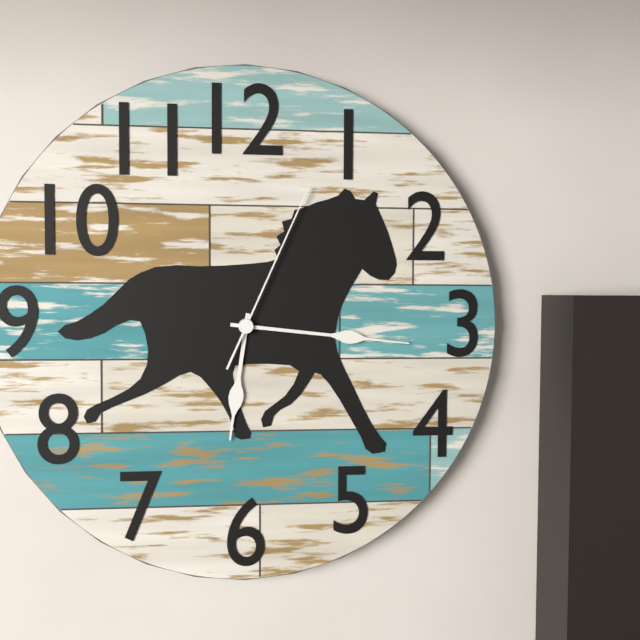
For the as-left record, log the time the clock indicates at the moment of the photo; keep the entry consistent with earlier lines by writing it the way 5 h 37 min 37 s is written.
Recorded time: 6 h 16 min 04 s
